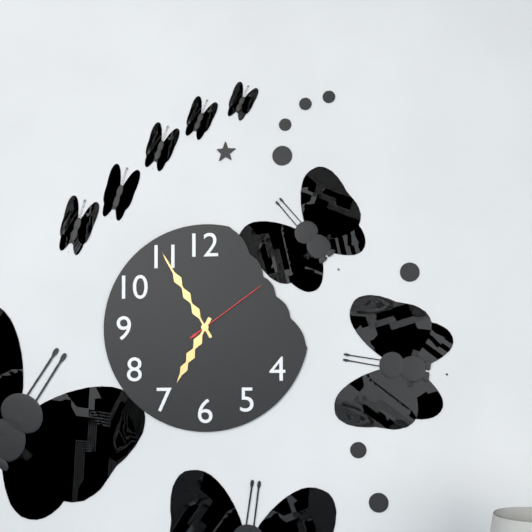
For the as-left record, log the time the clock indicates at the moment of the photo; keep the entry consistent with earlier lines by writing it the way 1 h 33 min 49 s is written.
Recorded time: 6 h 55 min 09 s
